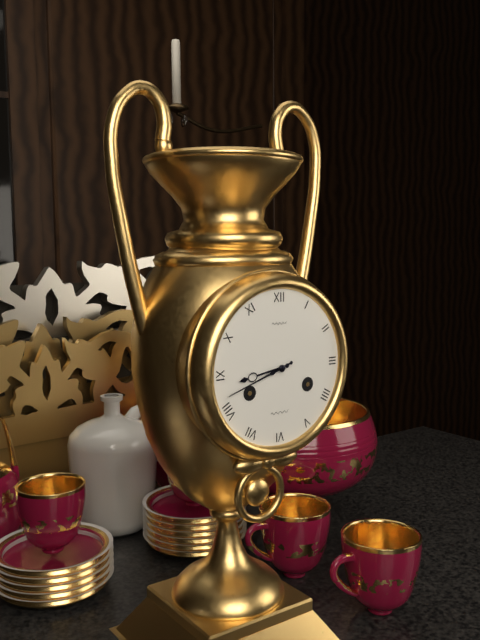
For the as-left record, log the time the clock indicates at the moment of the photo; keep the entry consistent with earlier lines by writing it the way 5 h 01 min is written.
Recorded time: 8 h 42 min
